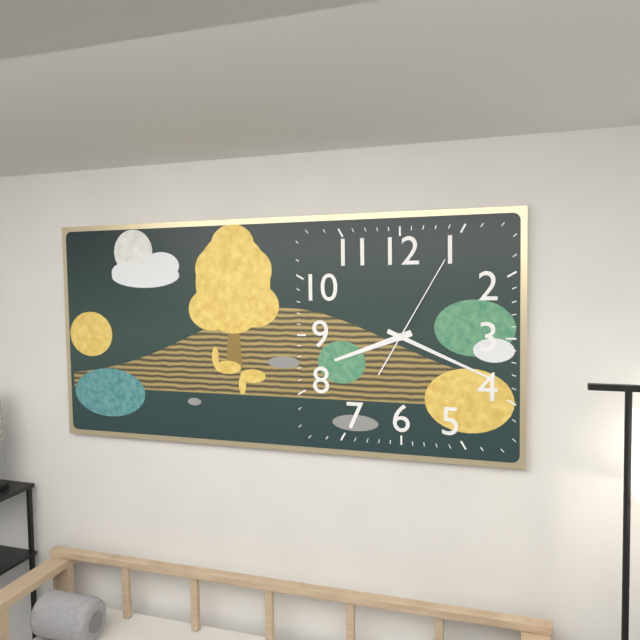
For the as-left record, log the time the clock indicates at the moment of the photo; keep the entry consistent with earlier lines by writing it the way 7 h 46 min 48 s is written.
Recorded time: 8 h 19 min 05 s
